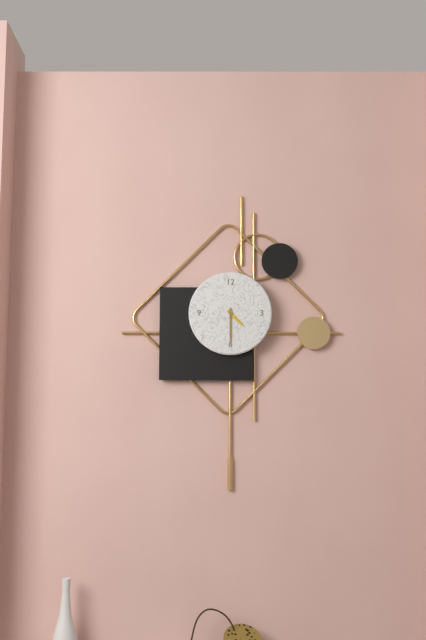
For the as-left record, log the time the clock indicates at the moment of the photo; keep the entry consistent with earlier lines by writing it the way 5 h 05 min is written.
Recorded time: 4 h 30 min
